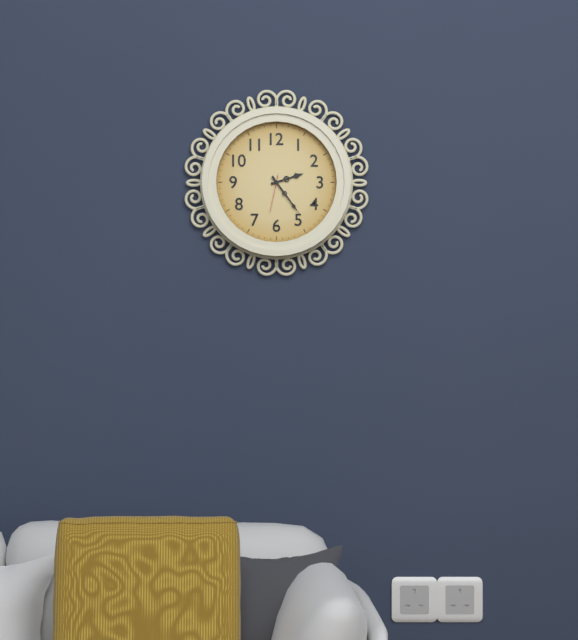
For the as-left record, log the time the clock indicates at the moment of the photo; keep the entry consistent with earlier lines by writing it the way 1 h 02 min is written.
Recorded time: 2 h 24 min
